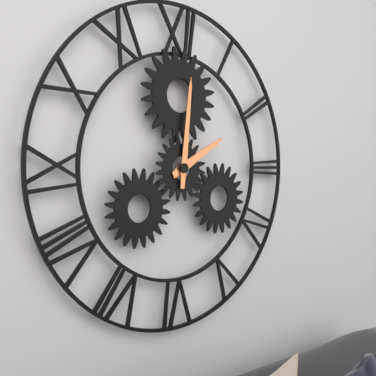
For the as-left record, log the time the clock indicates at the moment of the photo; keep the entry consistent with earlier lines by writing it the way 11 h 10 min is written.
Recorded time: 2 h 01 min
